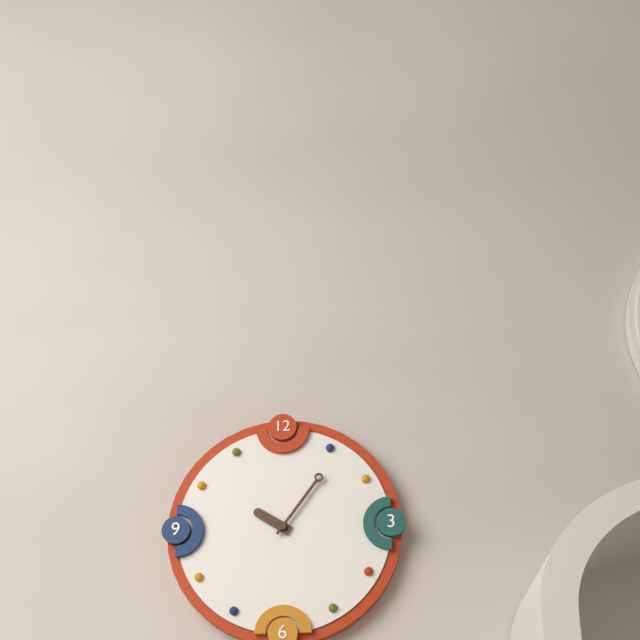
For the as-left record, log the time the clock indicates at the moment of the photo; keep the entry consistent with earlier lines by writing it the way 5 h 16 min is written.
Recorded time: 10 h 06 min
